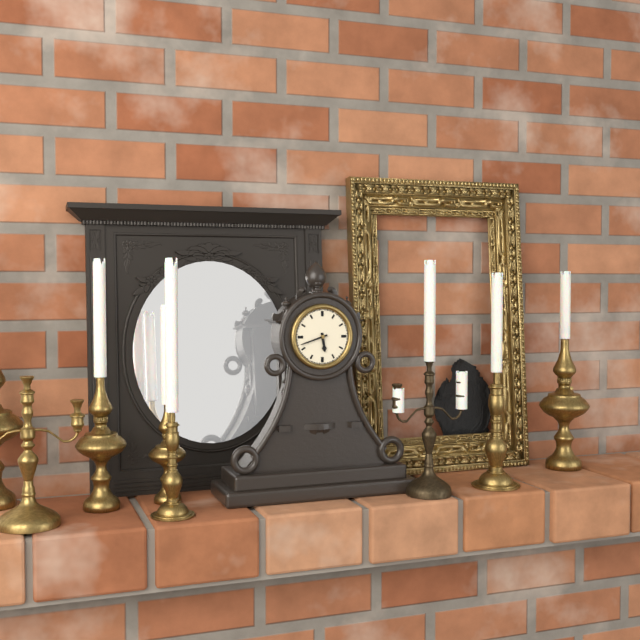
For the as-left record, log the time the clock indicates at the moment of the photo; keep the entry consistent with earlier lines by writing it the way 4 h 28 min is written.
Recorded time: 5 h 42 min
